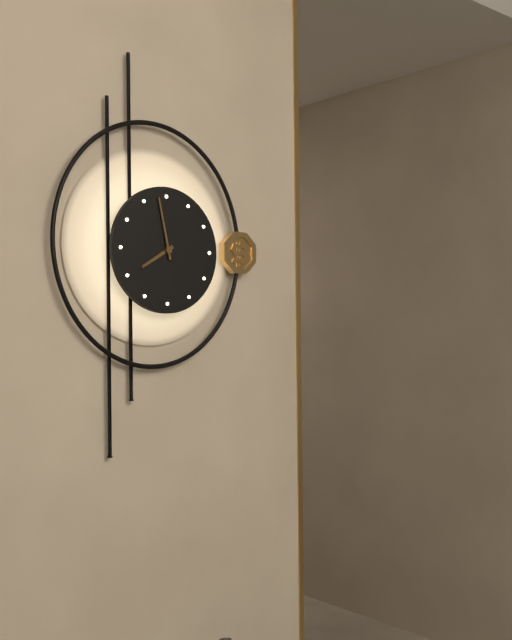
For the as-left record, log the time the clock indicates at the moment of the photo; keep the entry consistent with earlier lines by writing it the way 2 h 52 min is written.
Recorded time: 7 h 58 min
